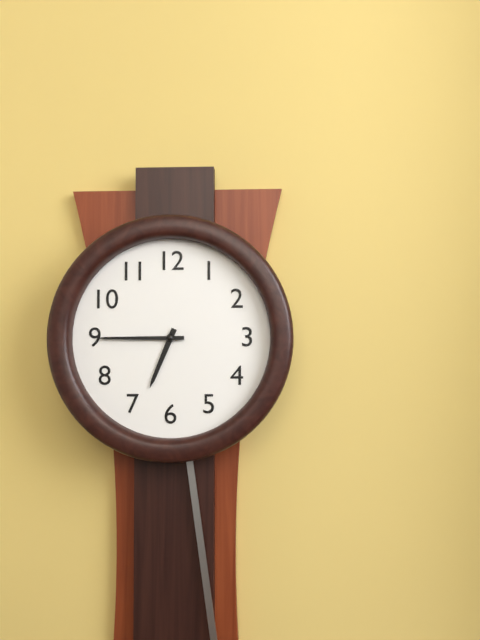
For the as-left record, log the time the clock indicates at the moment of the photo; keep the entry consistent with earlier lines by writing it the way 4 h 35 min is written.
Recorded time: 6 h 45 min
